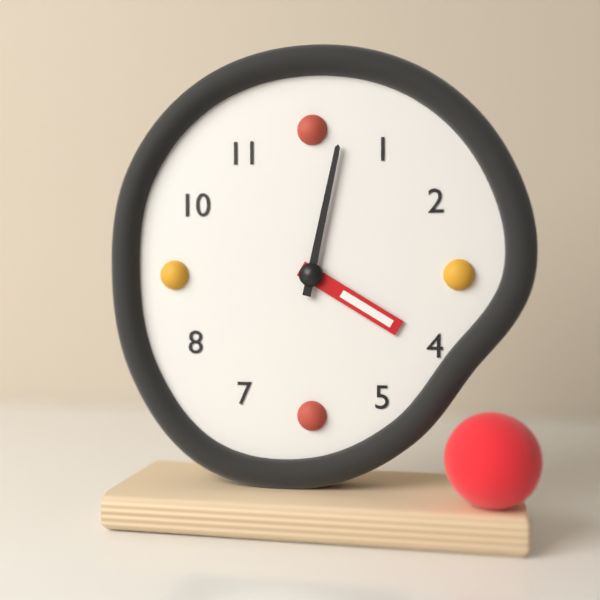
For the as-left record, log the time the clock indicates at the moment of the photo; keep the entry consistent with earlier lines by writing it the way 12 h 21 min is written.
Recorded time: 4 h 02 min
